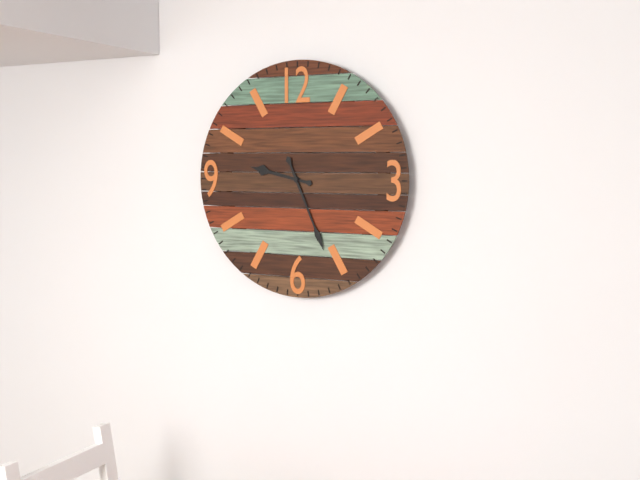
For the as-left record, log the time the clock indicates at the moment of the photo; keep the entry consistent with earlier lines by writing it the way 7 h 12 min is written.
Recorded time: 9 h 26 min
